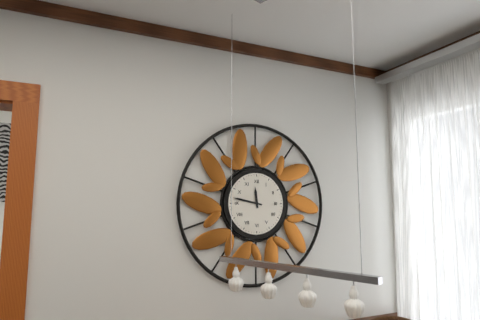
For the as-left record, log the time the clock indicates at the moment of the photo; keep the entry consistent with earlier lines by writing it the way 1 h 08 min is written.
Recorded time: 11 h 47 min
